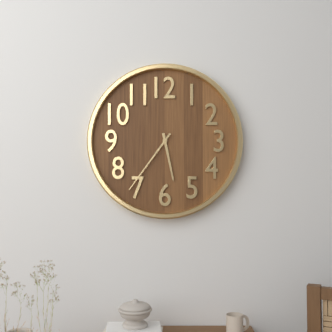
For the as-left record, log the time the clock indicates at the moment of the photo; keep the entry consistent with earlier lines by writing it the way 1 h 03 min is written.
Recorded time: 5 h 36 min
